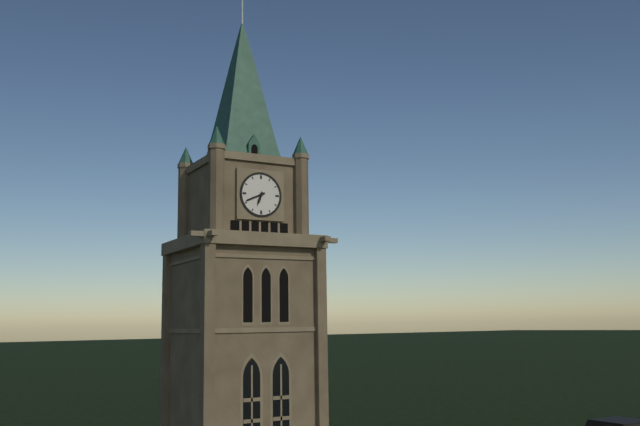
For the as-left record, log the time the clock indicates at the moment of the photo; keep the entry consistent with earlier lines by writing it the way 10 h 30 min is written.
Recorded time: 6 h 41 min
